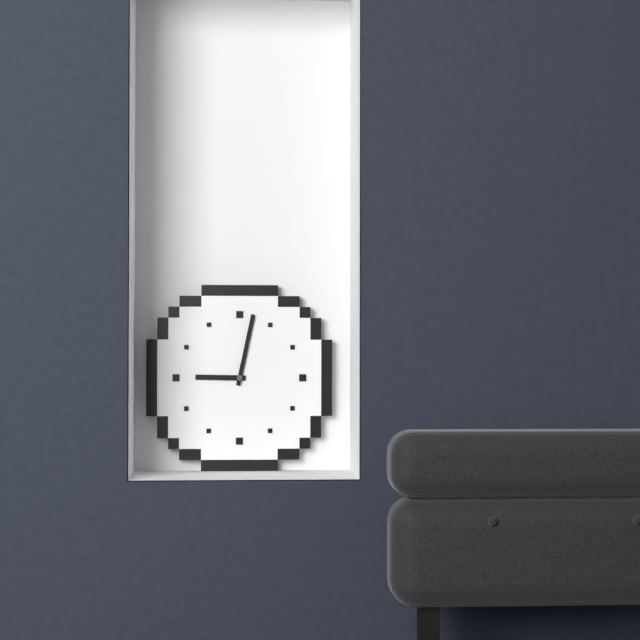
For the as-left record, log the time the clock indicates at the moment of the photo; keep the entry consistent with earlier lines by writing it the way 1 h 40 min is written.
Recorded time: 9 h 02 min
